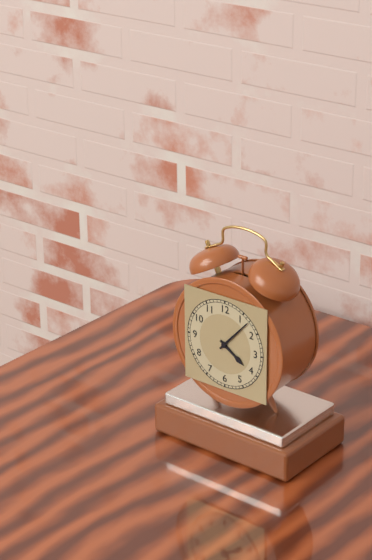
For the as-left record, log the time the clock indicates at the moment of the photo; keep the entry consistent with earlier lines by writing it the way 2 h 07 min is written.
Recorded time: 4 h 07 min
